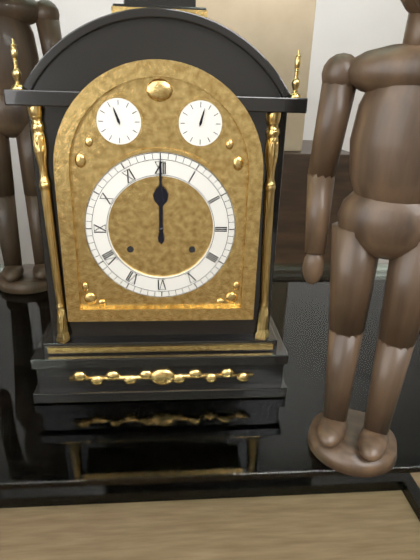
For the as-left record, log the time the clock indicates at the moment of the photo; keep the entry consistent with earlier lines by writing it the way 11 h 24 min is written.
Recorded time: 12 h 00 min
